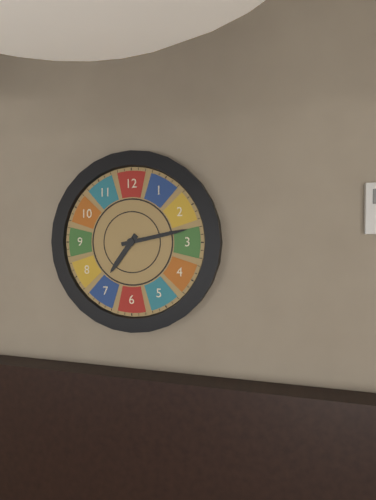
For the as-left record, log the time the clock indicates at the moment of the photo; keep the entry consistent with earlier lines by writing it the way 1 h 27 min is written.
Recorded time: 7 h 13 min
